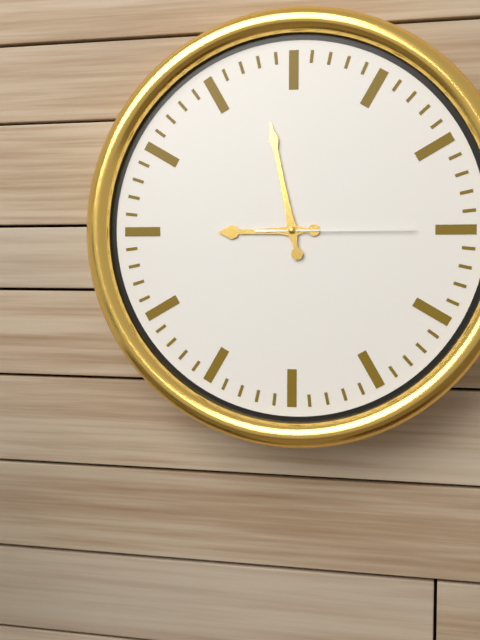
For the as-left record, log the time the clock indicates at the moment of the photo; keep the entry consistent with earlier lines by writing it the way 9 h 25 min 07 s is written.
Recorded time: 8 h 58 min 15 s
